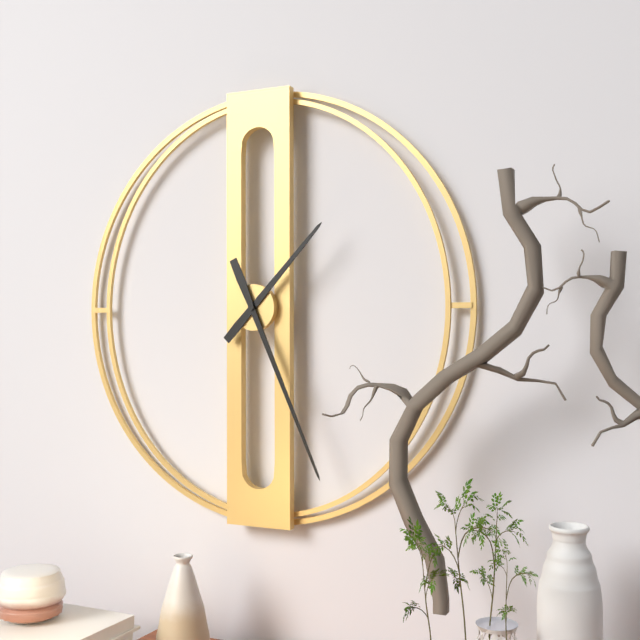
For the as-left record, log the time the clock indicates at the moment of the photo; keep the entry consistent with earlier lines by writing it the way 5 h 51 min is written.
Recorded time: 1 h 26 min
